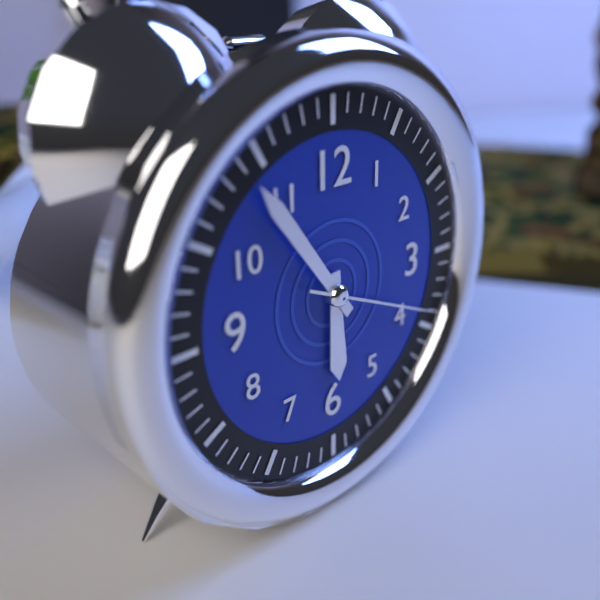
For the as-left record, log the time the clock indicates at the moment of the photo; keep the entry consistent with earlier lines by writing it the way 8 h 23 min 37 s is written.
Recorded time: 5 h 54 min 19 s
